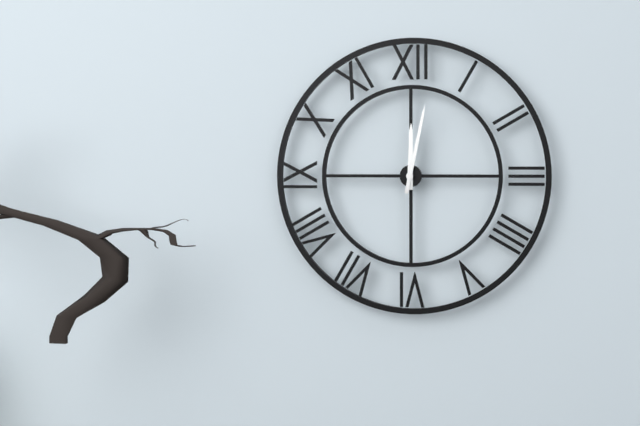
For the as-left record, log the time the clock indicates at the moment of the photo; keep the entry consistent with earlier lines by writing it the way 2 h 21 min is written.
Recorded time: 12 h 02 min
